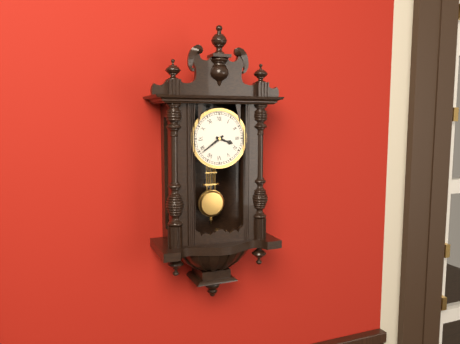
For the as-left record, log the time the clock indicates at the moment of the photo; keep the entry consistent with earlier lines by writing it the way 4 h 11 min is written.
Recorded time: 3 h 39 min
